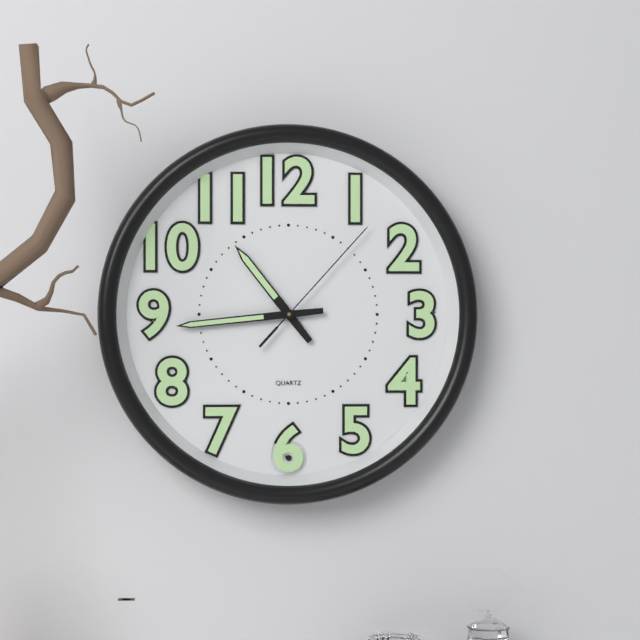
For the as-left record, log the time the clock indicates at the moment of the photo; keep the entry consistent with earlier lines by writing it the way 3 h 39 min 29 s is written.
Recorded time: 10 h 44 min 07 s
